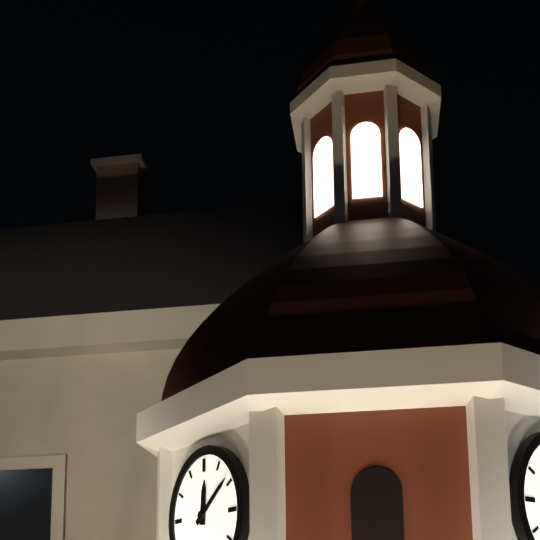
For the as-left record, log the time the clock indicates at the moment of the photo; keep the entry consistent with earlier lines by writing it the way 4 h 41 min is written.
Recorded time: 12 h 09 min
